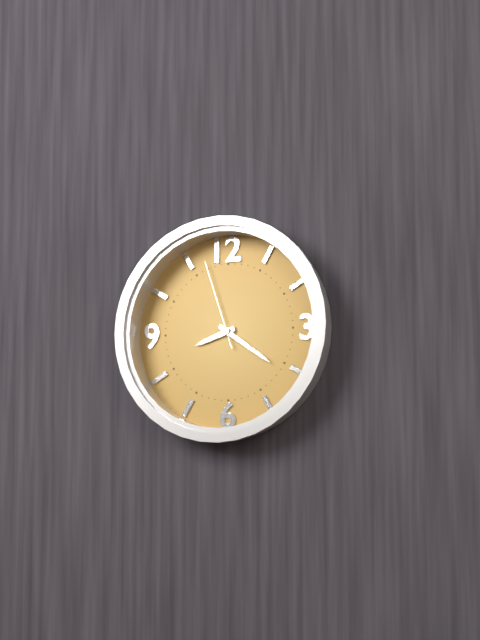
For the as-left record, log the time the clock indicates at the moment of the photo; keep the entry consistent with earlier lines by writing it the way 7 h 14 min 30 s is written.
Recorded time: 8 h 21 min 57 s
